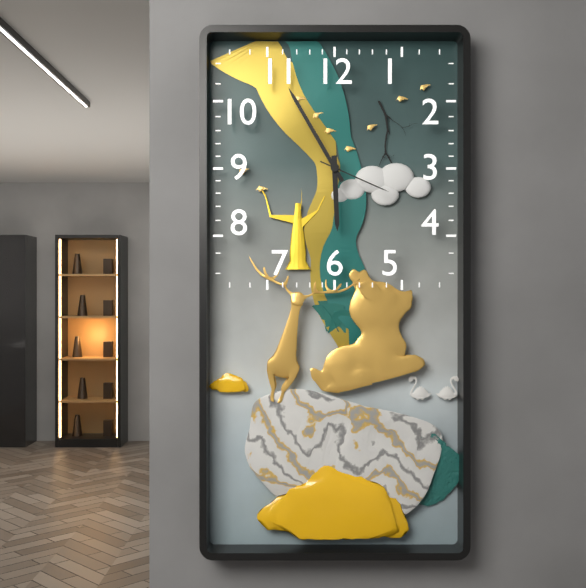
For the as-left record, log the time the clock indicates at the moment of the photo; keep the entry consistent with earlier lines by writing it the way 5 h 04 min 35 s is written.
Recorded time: 5 h 55 min 19 s
